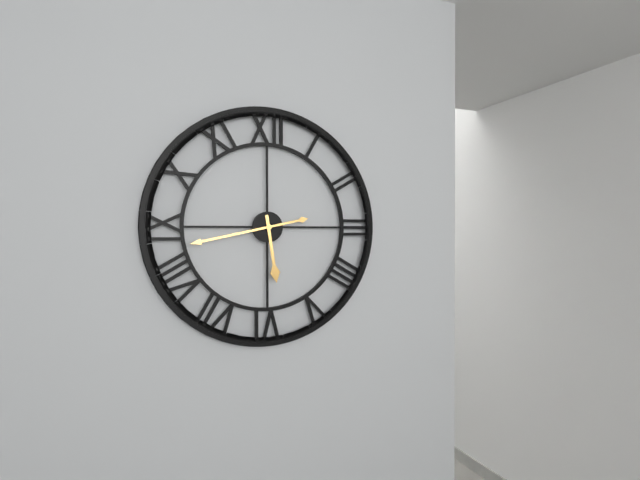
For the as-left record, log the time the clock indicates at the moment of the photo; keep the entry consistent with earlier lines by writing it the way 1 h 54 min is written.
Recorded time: 5 h 43 min
